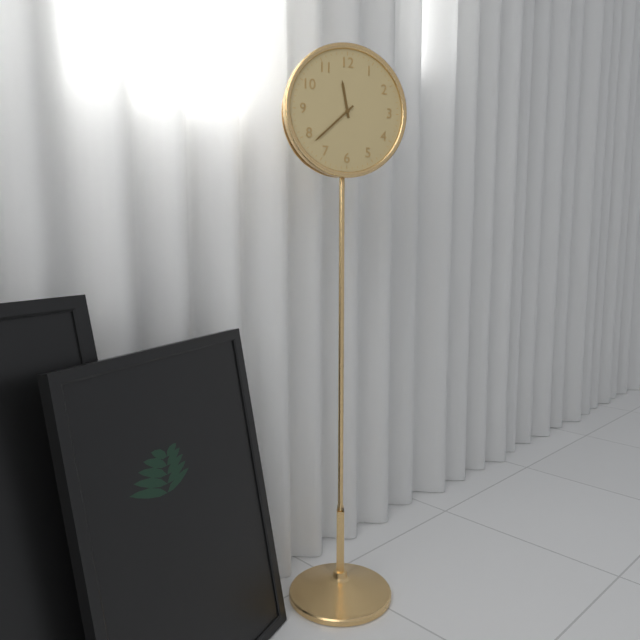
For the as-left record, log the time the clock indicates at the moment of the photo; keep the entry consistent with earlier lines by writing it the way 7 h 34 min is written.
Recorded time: 11 h 38 min
